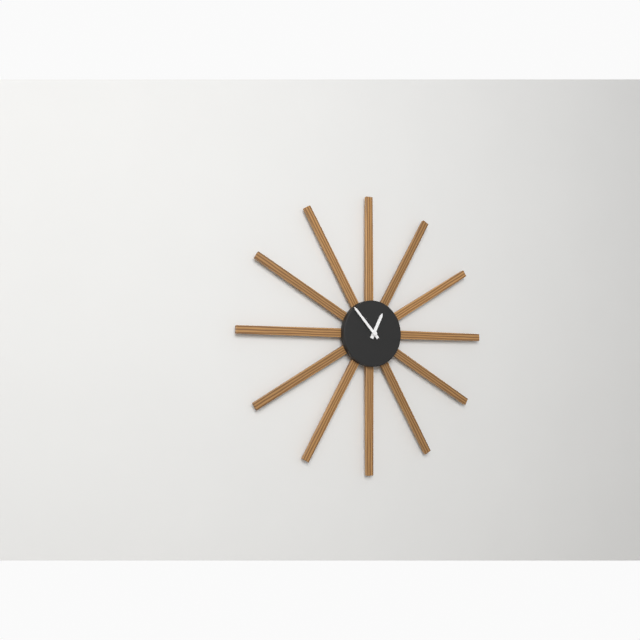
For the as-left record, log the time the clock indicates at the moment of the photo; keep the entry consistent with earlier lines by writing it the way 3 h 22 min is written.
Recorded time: 12 h 53 min
